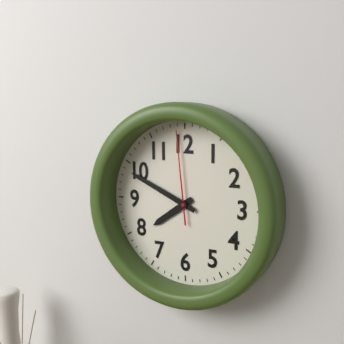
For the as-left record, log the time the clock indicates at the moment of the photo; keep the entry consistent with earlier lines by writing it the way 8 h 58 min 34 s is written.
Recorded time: 7 h 49 min 59 s
